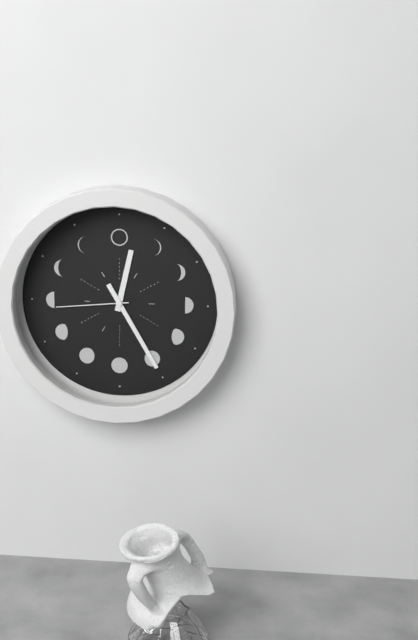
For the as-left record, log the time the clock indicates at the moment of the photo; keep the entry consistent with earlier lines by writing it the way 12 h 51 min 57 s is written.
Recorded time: 12 h 25 min 44 s
